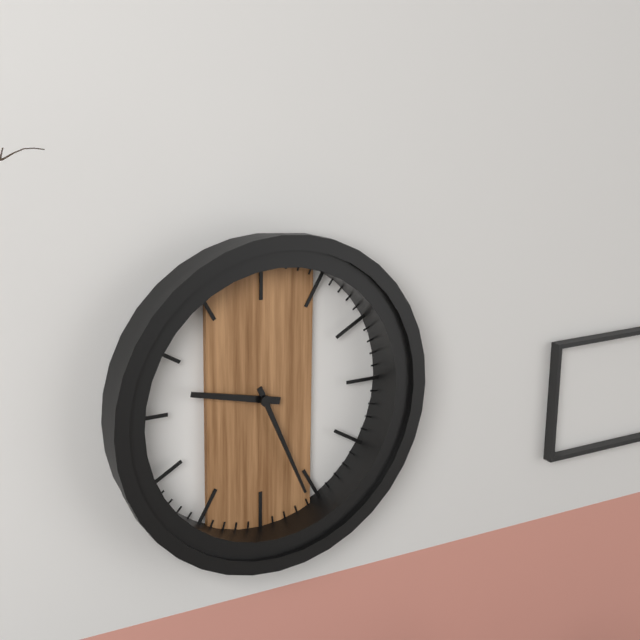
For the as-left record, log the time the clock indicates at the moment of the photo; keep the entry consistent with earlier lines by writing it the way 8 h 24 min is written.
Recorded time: 9 h 26 min
